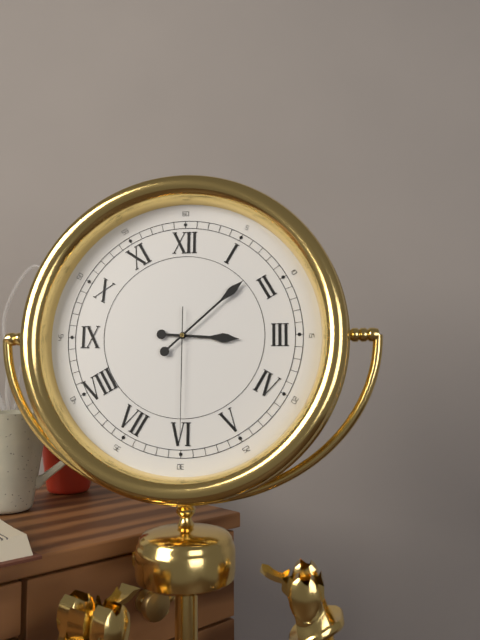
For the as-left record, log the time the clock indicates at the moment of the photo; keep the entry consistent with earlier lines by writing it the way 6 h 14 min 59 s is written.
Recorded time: 3 h 08 min 30 s
